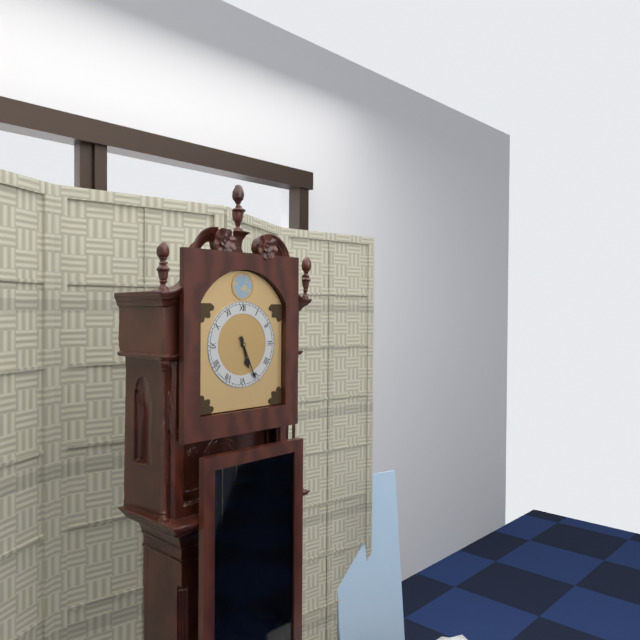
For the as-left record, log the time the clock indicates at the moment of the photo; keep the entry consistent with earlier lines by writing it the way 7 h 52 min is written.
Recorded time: 5 h 26 min
